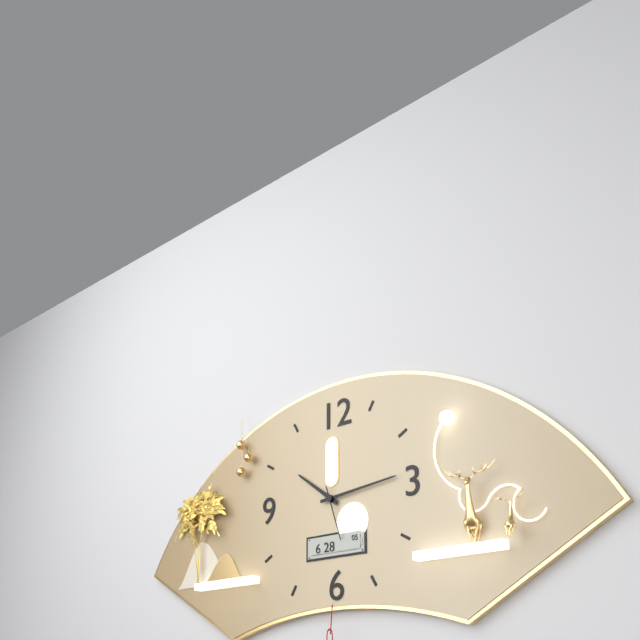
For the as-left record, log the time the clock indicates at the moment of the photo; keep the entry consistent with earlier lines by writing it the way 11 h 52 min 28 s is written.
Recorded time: 10 h 14 min 27 s
